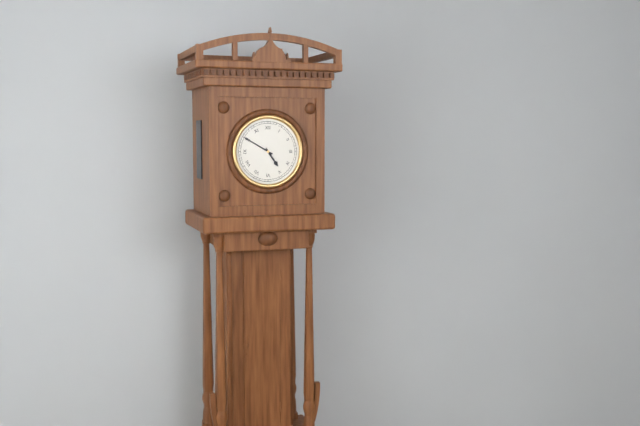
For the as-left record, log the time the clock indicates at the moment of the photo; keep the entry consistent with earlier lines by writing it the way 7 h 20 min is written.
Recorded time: 4 h 50 min
